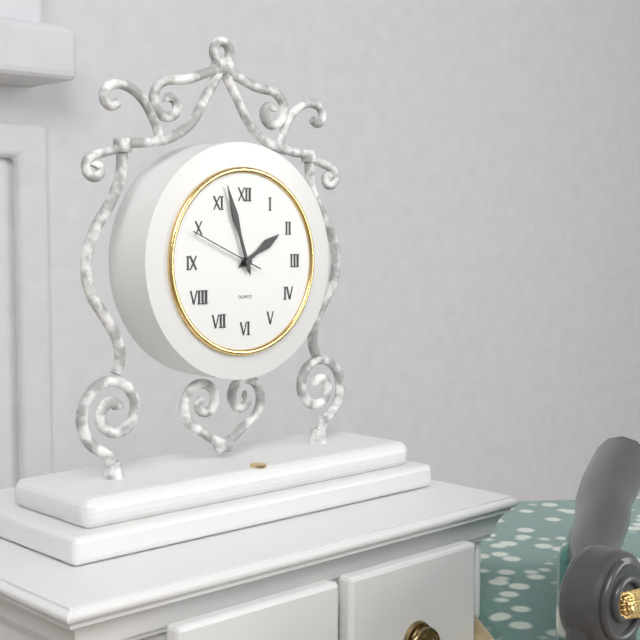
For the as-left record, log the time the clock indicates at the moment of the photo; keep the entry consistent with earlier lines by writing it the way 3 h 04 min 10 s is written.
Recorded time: 1 h 57 min 49 s
